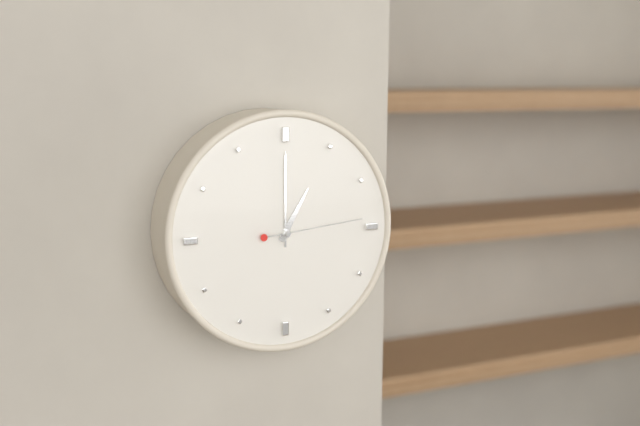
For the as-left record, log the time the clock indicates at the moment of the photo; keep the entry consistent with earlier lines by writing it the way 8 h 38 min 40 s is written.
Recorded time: 1 h 00 min 14 s
